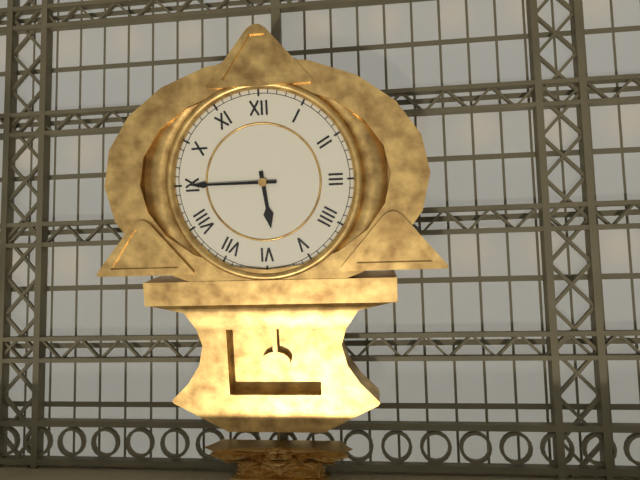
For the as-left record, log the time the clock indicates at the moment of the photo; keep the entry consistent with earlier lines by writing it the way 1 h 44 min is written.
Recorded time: 5 h 45 min
